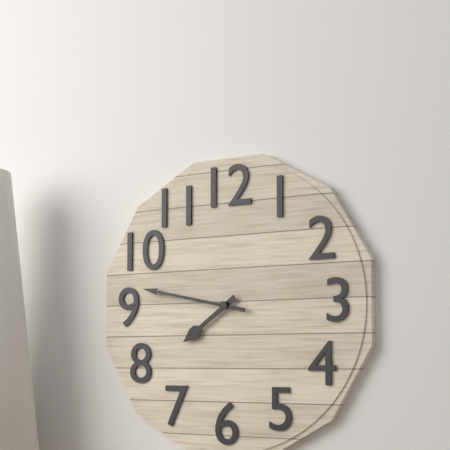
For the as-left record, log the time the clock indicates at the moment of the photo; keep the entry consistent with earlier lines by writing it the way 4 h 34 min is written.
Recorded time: 7 h 47 min
